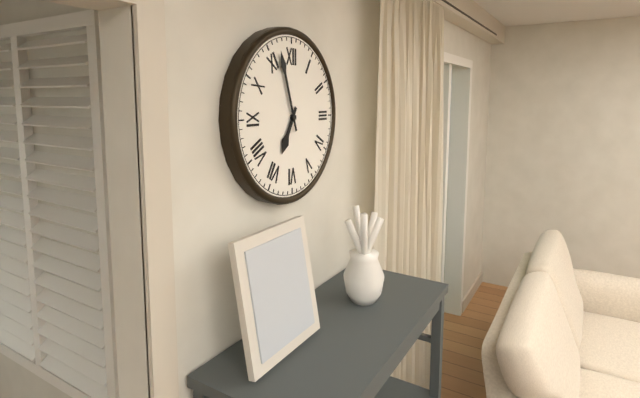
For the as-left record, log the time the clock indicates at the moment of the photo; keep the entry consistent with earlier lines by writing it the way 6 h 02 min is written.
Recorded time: 6 h 57 min
